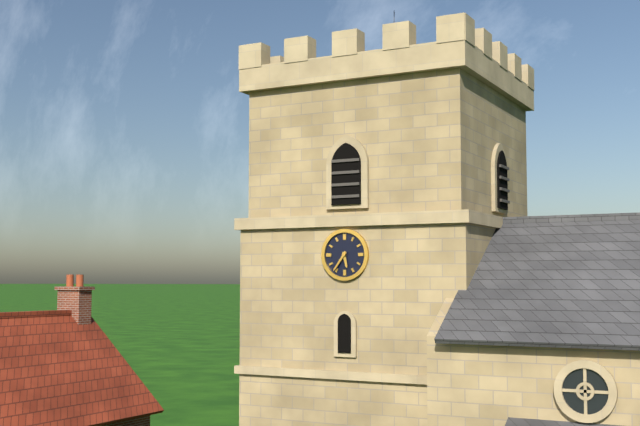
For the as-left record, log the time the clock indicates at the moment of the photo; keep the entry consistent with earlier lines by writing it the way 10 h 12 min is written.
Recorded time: 5 h 36 min
